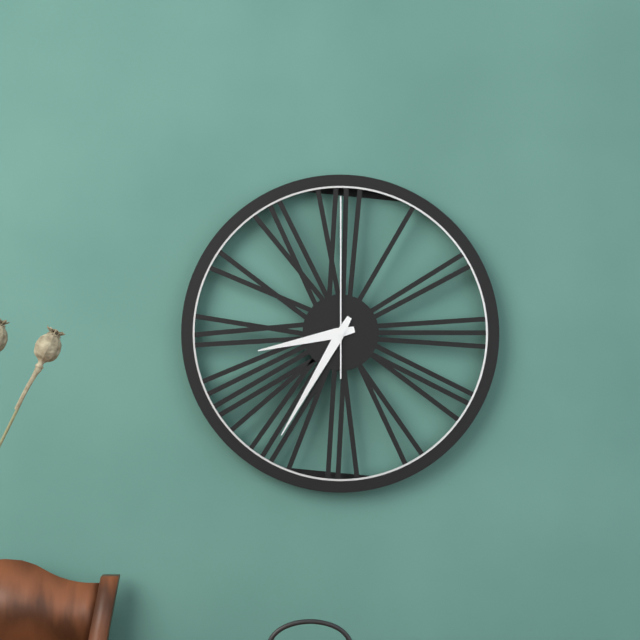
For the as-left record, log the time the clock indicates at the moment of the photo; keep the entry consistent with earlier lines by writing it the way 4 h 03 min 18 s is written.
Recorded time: 8 h 35 min 00 s
